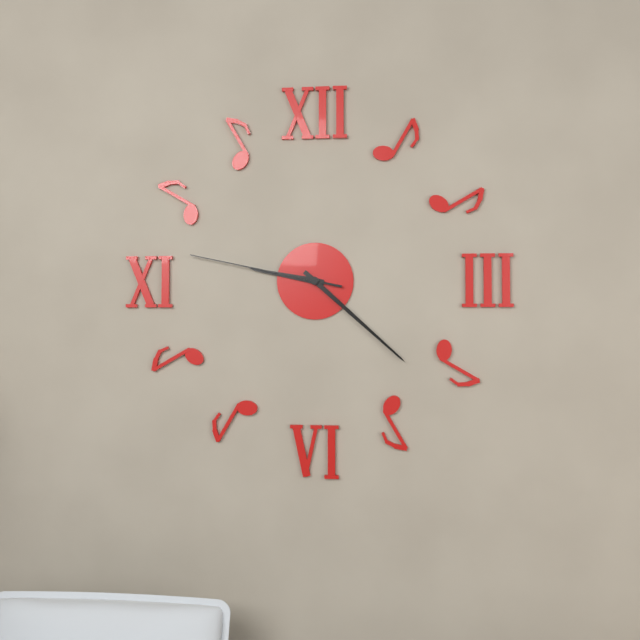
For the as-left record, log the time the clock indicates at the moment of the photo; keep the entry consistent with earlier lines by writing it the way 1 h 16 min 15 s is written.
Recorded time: 9 h 22 min 47 s
